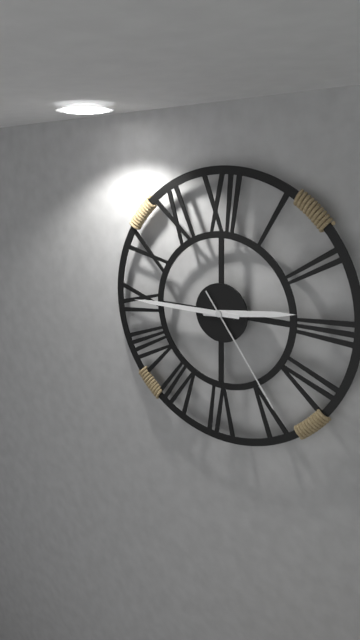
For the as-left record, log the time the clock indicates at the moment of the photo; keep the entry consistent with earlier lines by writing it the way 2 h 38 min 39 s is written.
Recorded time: 2 h 45 min 24 s
